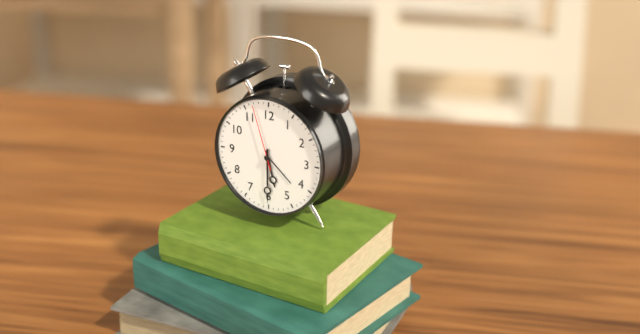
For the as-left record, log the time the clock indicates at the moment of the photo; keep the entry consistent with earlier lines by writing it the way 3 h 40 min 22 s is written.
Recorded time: 5 h 30 min 57 s
